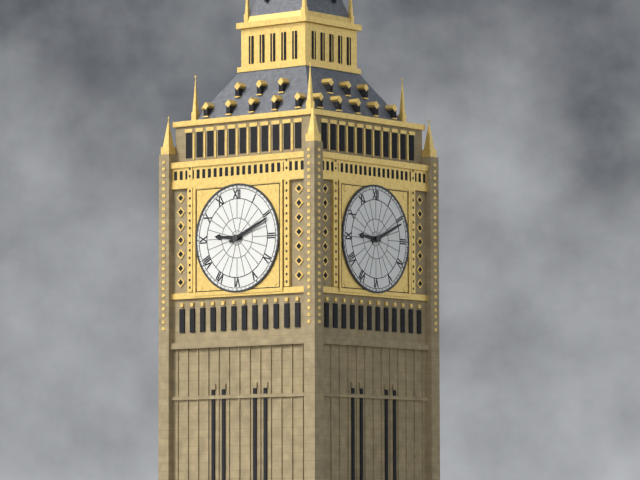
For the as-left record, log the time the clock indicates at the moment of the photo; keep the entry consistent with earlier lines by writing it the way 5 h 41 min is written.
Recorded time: 9 h 11 min
